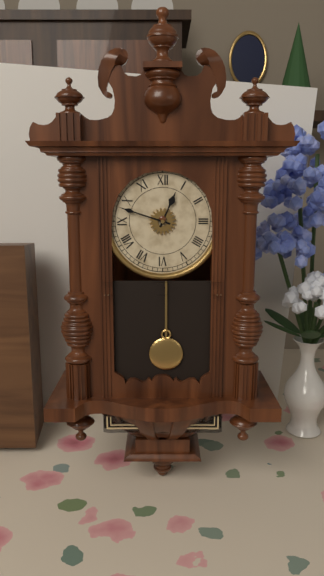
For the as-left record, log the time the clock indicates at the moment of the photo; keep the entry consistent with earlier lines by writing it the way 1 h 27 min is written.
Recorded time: 12 h 48 min
